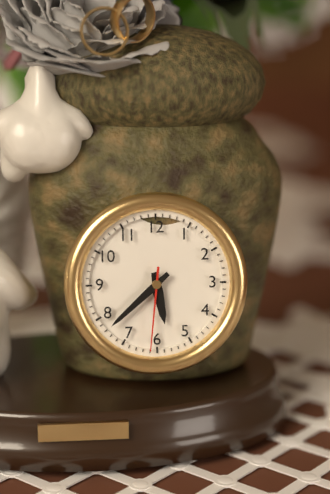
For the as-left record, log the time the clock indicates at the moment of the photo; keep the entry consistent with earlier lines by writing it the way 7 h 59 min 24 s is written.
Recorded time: 5 h 38 min 31 s
